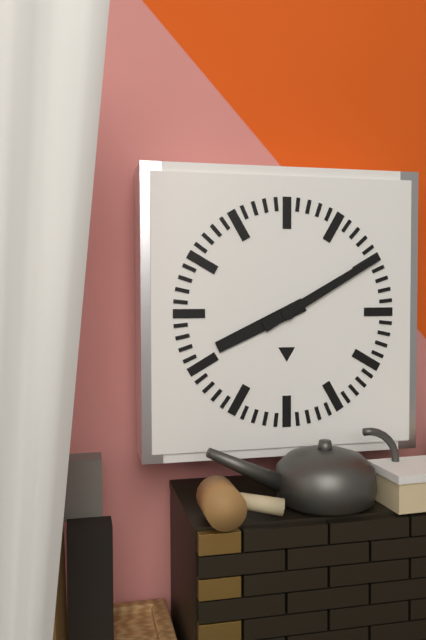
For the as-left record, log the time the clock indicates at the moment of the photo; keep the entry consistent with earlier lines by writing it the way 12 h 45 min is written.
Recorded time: 8 h 10 min
